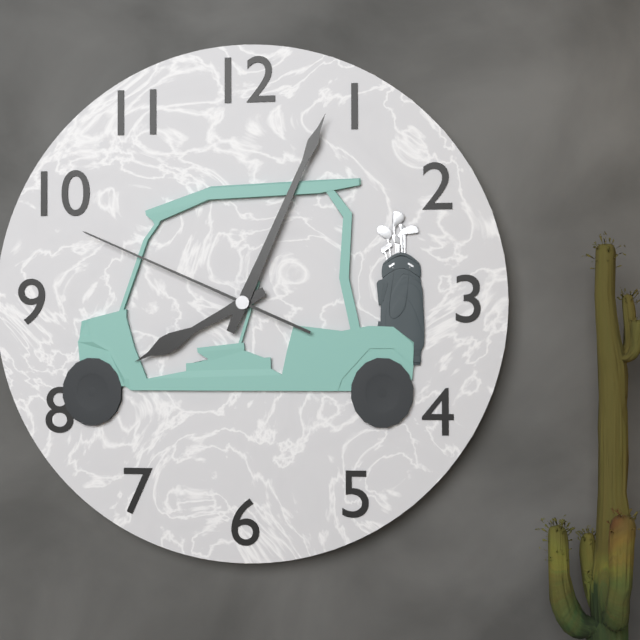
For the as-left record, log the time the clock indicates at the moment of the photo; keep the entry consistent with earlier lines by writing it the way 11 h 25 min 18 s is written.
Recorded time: 8 h 04 min 49 s
